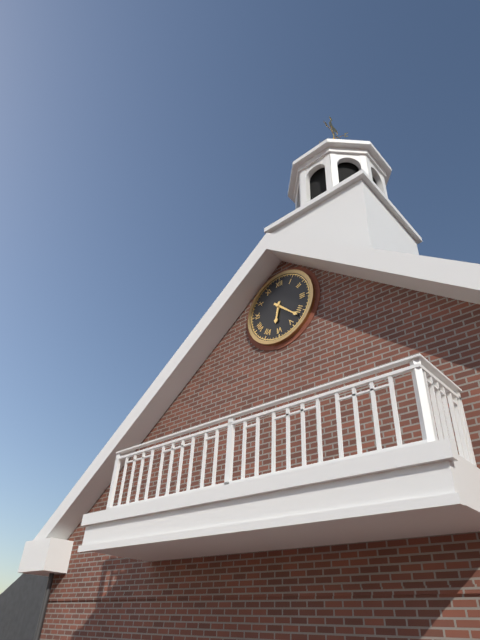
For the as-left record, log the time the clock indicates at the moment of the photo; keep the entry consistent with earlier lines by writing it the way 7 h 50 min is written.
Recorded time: 6 h 22 min
